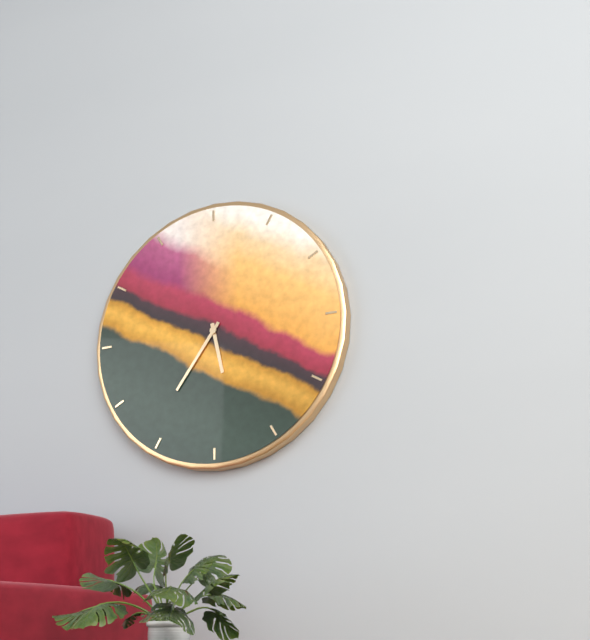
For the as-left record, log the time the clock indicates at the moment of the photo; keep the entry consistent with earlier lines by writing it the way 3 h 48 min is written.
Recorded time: 5 h 36 min
